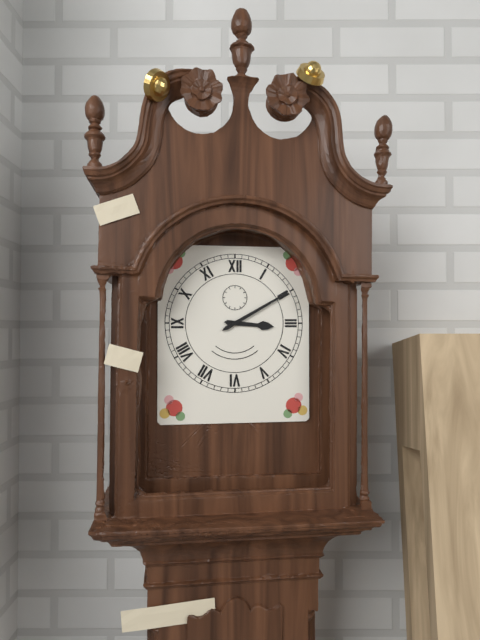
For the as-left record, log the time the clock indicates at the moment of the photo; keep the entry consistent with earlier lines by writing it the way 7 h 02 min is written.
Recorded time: 3 h 10 min
